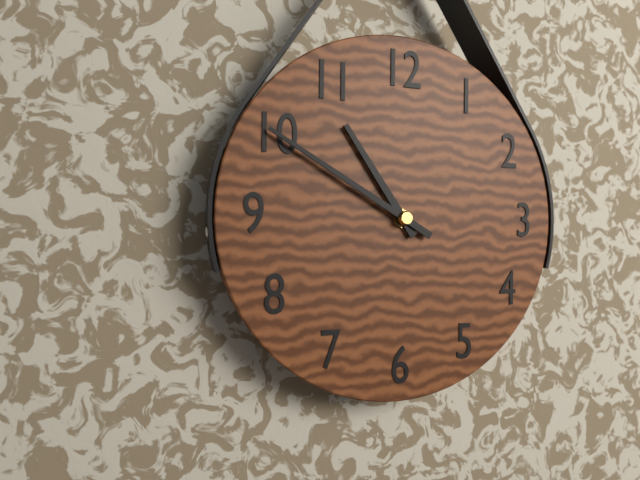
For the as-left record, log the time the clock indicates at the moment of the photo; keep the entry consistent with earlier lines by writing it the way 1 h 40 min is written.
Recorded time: 10 h 50 min
